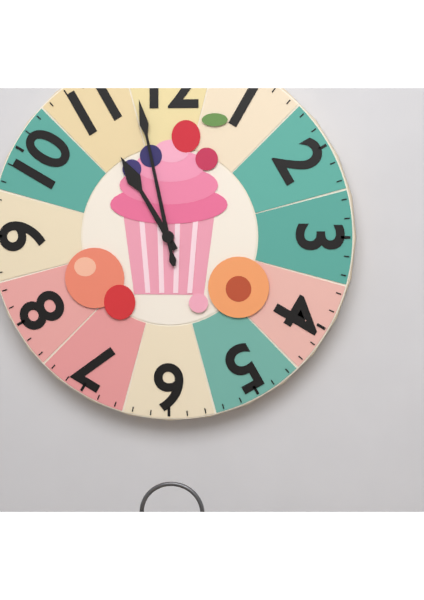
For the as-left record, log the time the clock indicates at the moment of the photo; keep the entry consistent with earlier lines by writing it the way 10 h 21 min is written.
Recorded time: 10 h 58 min
